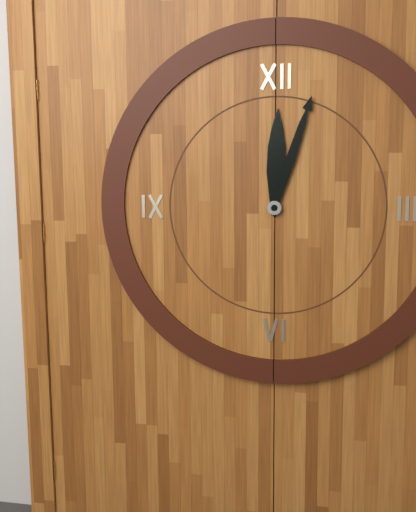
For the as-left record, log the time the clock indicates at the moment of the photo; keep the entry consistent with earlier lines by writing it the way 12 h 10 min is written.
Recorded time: 12 h 03 min
